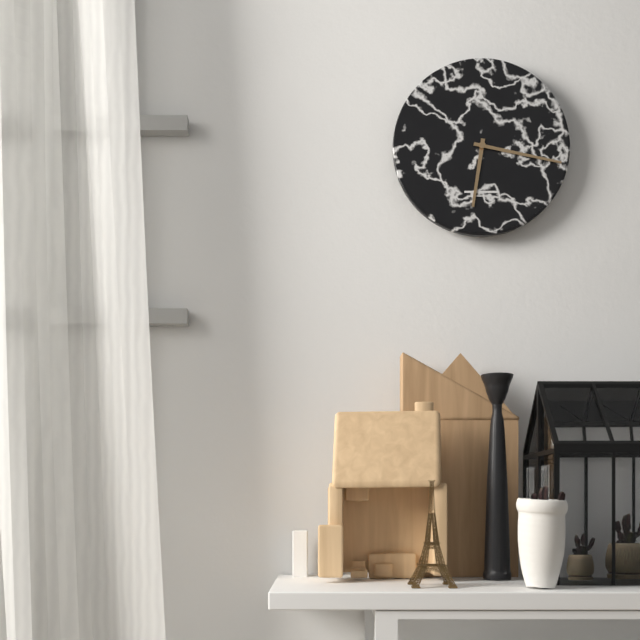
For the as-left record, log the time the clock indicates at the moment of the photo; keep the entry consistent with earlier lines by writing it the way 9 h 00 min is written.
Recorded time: 6 h 17 min
